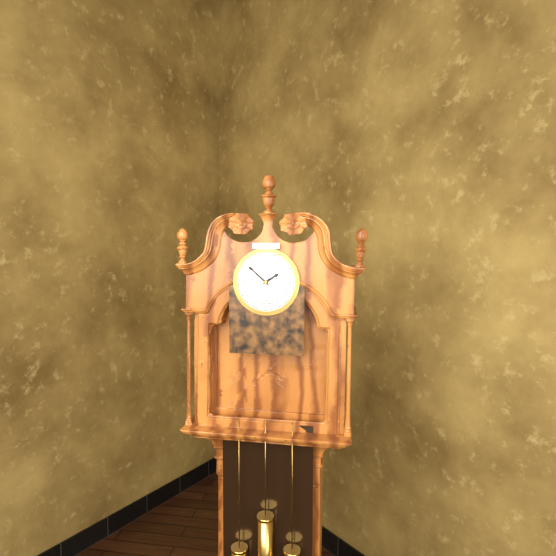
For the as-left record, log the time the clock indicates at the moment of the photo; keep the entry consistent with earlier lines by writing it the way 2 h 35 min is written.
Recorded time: 1 h 52 min
